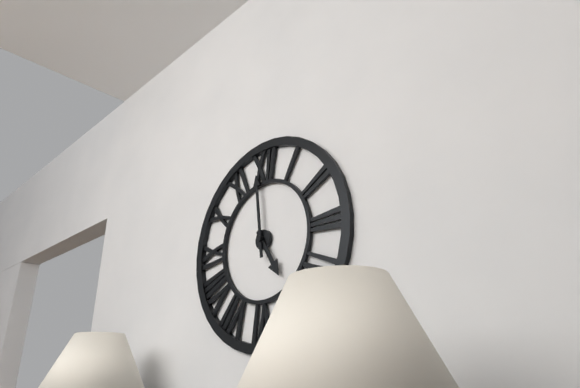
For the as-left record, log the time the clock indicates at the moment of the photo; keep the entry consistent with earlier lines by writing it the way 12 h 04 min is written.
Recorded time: 4 h 59 min
